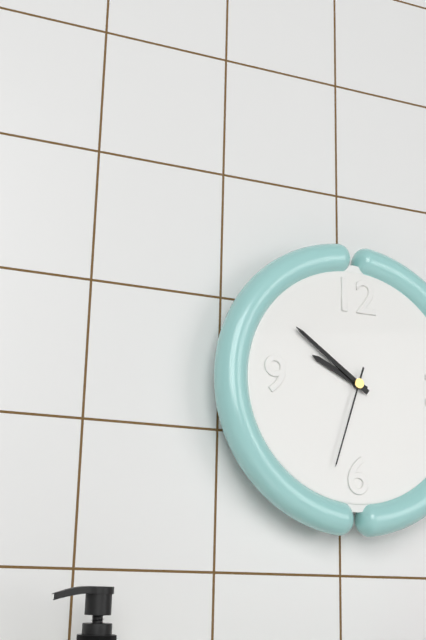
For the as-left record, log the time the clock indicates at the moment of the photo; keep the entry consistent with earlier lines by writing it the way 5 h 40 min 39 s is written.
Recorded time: 9 h 51 min 33 s
